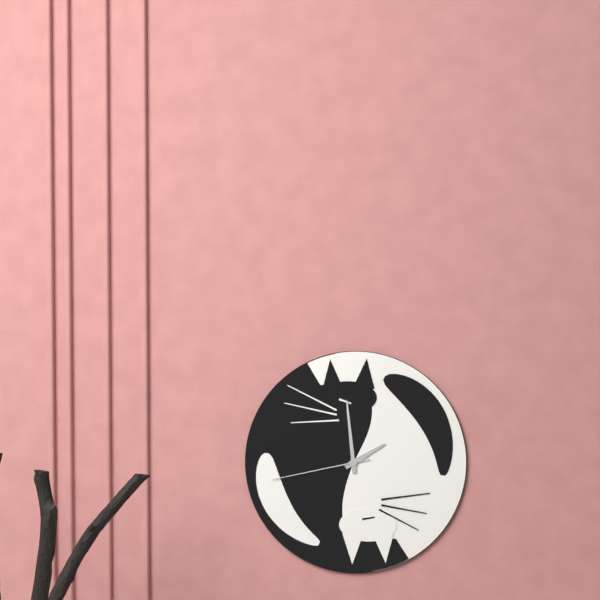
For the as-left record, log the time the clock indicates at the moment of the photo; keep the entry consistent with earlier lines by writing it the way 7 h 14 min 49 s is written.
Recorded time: 1 h 59 min 43 s
